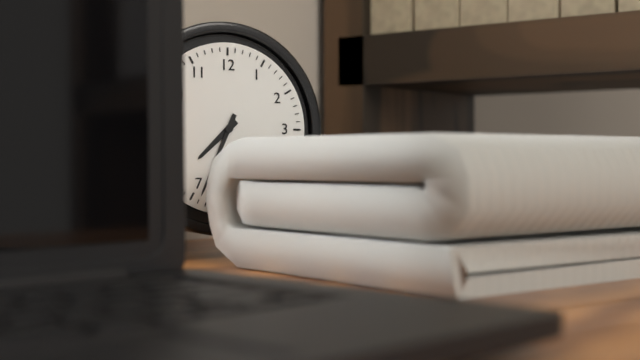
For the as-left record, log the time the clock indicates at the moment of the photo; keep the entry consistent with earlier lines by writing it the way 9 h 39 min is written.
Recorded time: 7 h 34 min
